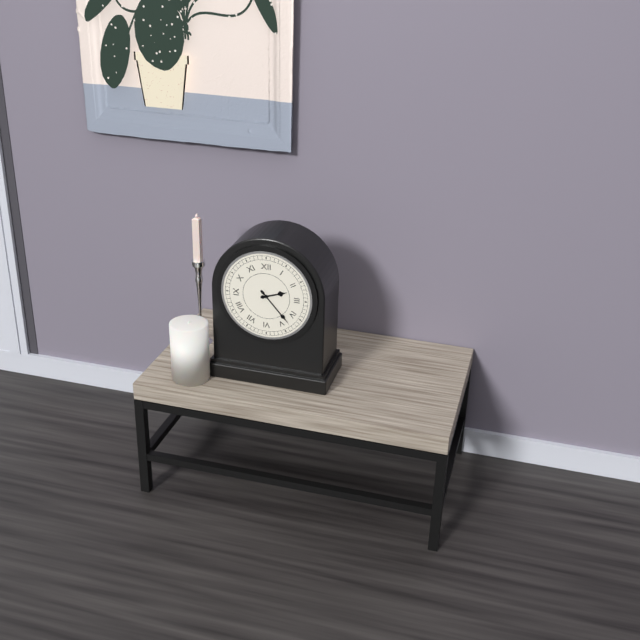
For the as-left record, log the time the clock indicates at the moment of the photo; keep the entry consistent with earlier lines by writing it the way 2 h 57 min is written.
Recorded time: 2 h 23 min
